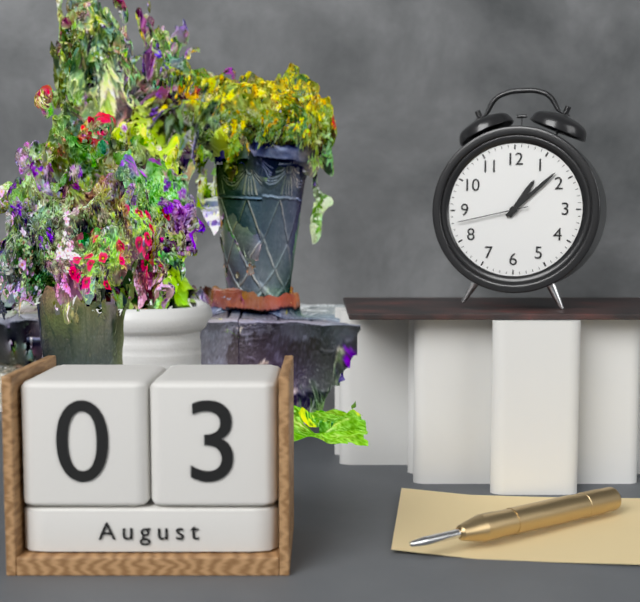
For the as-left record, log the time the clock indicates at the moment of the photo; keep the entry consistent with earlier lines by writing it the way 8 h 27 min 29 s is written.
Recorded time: 1 h 08 min 43 s
